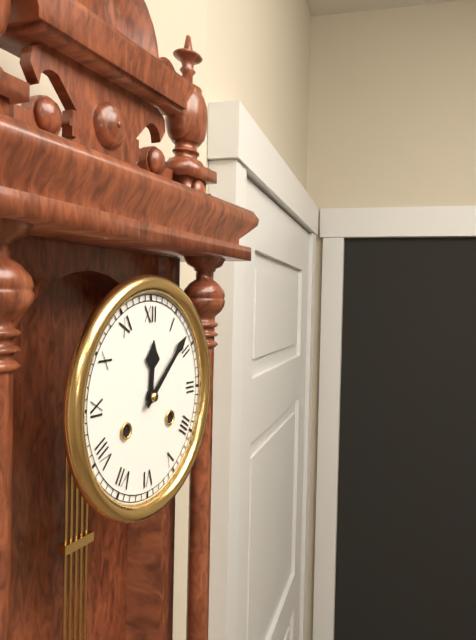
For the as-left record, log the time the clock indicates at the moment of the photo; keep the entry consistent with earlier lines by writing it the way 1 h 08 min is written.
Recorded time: 12 h 08 min
